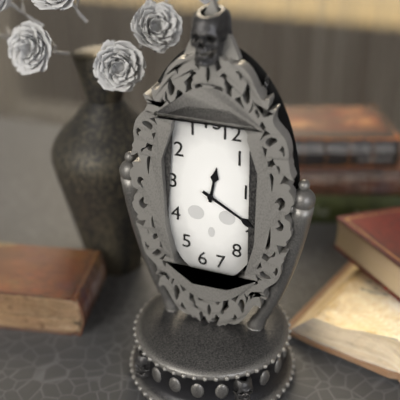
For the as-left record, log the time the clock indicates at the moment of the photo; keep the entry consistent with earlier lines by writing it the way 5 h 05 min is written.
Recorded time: 12 h 20 min
